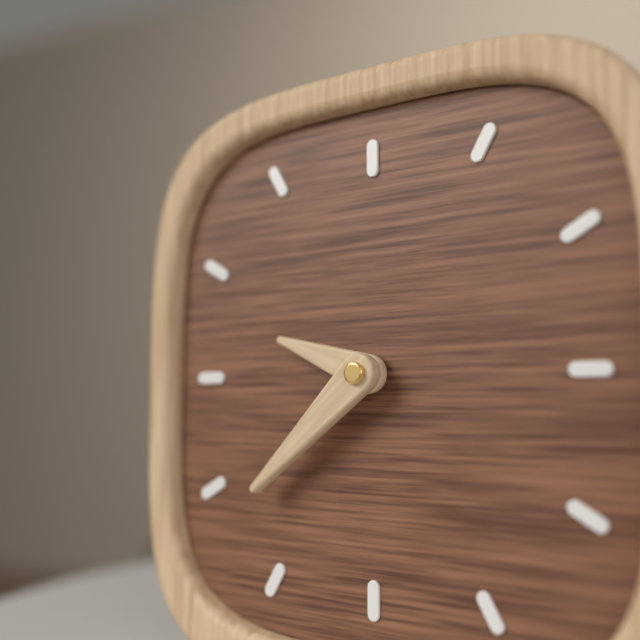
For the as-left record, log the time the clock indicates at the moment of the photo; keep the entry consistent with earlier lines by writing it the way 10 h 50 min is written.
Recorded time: 9 h 38 min
